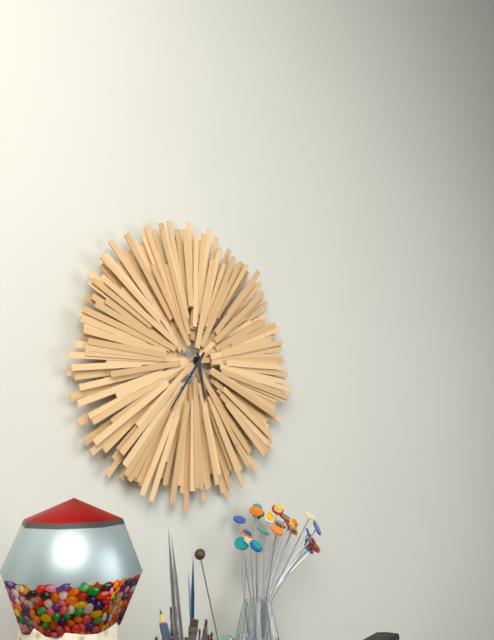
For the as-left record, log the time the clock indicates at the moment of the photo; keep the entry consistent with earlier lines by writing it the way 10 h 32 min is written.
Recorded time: 5 h 36 min
